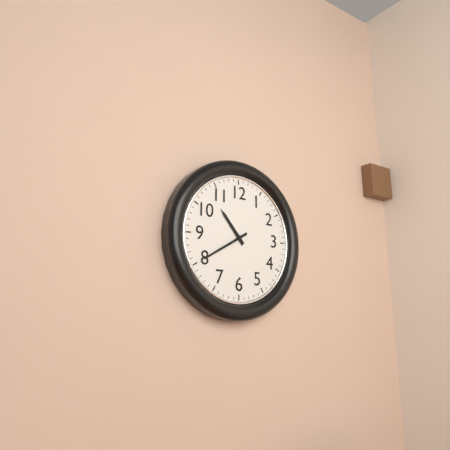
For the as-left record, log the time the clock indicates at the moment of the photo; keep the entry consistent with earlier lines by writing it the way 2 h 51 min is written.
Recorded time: 10 h 40 min
